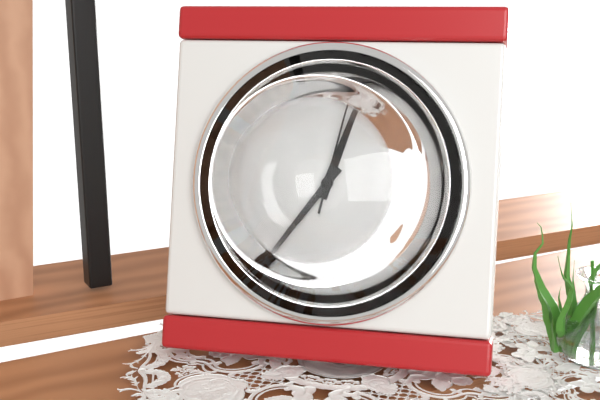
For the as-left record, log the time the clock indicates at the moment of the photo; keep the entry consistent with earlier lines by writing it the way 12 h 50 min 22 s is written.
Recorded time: 12 h 36 min 02 s
